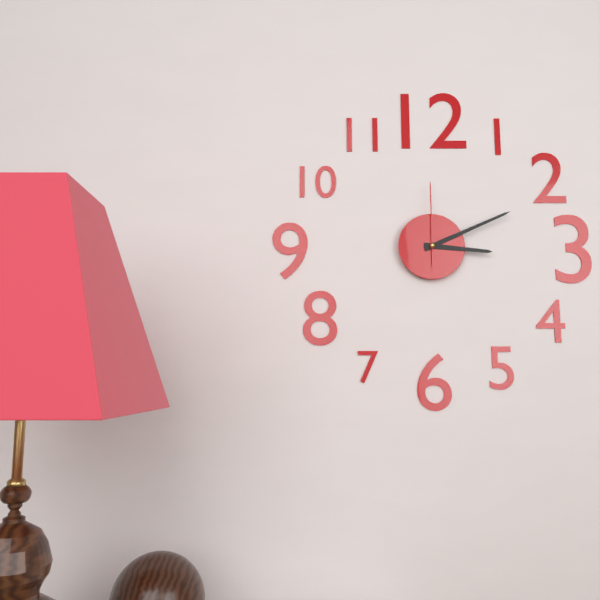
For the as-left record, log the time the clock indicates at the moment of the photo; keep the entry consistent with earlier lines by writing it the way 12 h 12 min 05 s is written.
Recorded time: 3 h 11 min 00 s
